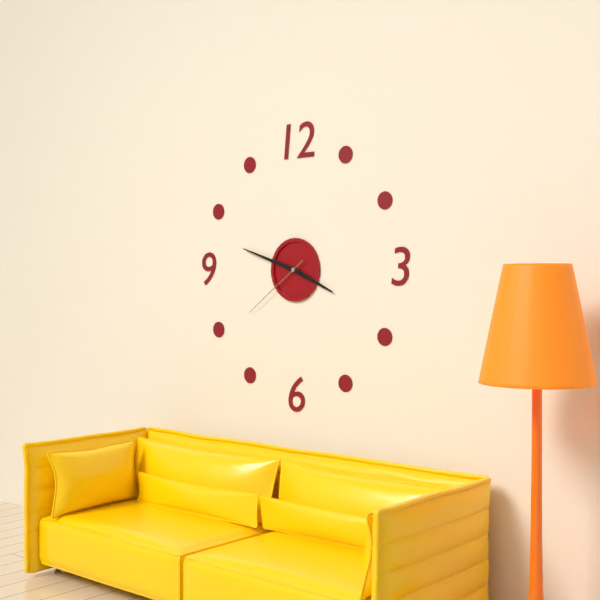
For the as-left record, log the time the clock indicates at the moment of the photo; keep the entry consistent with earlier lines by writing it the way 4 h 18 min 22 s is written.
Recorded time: 3 h 48 min 39 s
